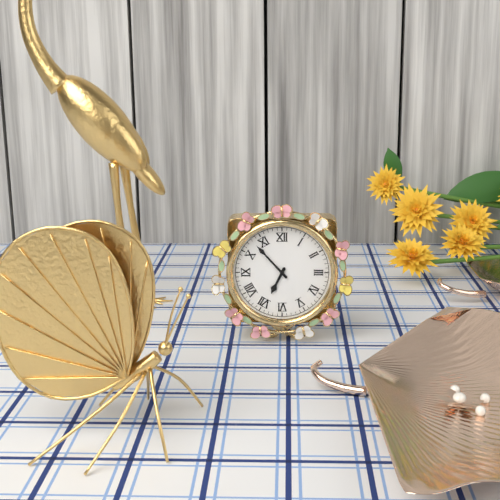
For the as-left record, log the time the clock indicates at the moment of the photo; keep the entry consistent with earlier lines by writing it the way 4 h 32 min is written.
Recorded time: 6 h 53 min
